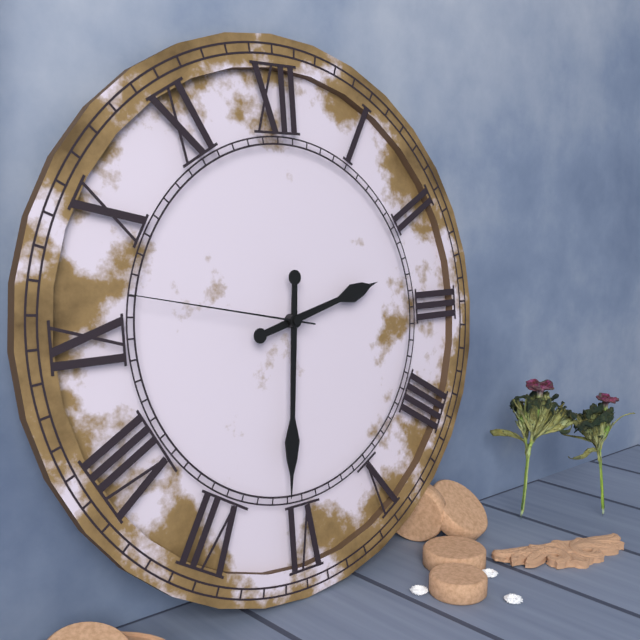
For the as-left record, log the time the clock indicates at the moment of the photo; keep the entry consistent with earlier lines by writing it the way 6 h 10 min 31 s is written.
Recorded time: 2 h 31 min 47 s
